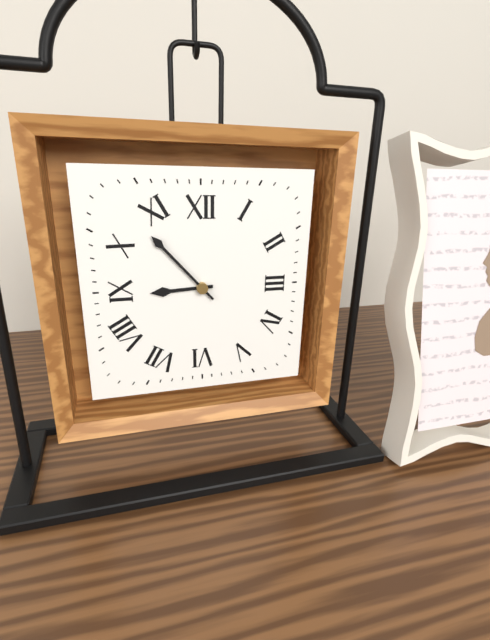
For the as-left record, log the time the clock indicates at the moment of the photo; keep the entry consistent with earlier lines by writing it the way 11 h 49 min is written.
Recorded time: 8 h 53 min
